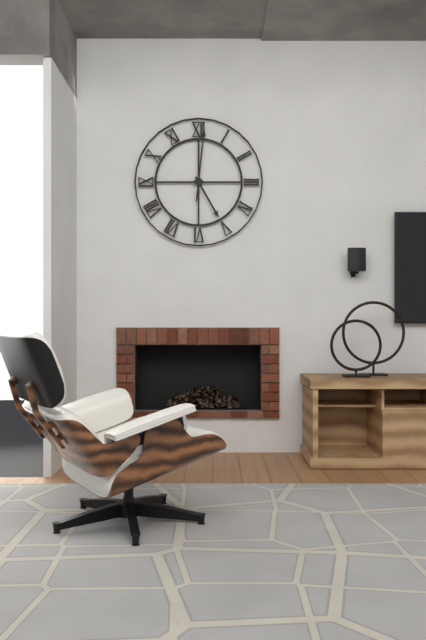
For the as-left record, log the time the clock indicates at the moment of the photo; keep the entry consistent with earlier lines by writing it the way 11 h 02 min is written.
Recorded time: 5 h 01 min
